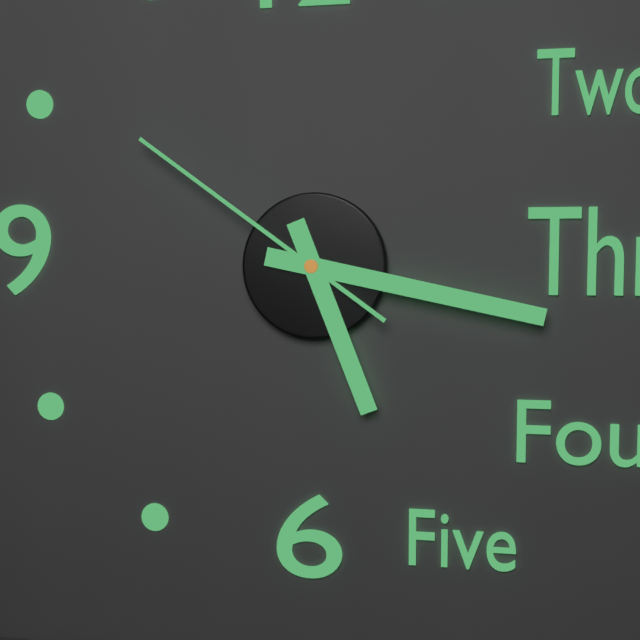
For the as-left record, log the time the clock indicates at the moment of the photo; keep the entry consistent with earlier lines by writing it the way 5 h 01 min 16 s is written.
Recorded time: 5 h 17 min 51 s
